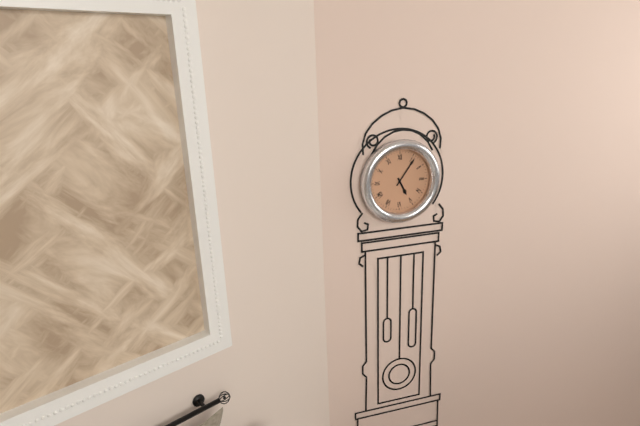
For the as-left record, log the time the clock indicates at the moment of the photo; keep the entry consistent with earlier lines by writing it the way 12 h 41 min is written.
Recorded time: 5 h 06 min
